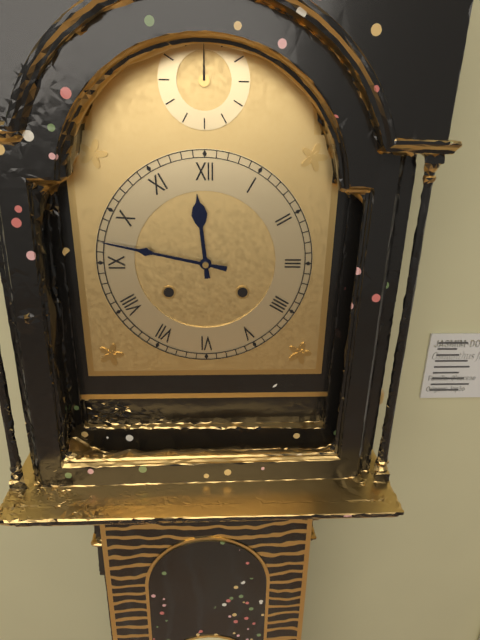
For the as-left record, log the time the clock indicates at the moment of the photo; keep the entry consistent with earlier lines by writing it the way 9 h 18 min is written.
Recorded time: 11 h 47 min
